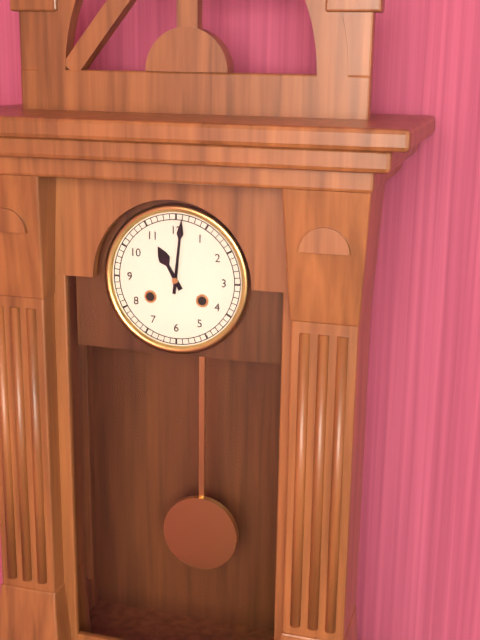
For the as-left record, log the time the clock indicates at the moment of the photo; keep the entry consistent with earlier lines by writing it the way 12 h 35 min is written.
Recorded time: 11 h 01 min
